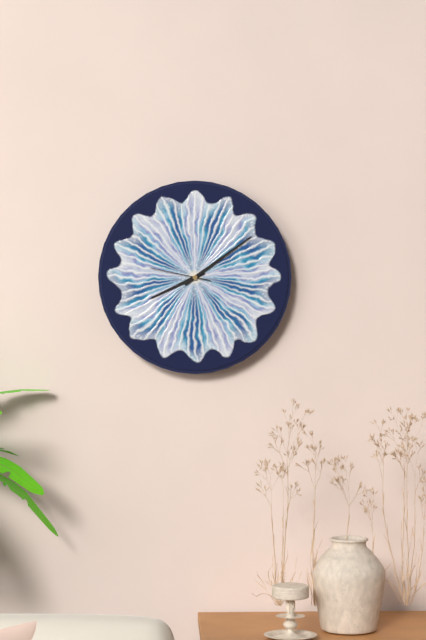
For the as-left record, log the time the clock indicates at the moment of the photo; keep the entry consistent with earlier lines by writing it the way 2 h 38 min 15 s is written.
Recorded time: 8 h 09 min 47 s
